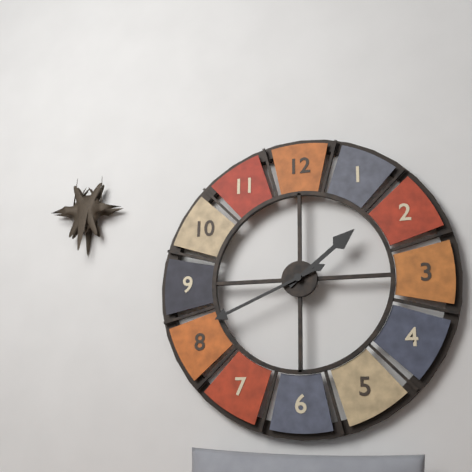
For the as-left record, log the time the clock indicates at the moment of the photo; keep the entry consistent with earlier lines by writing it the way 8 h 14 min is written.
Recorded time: 1 h 41 min
